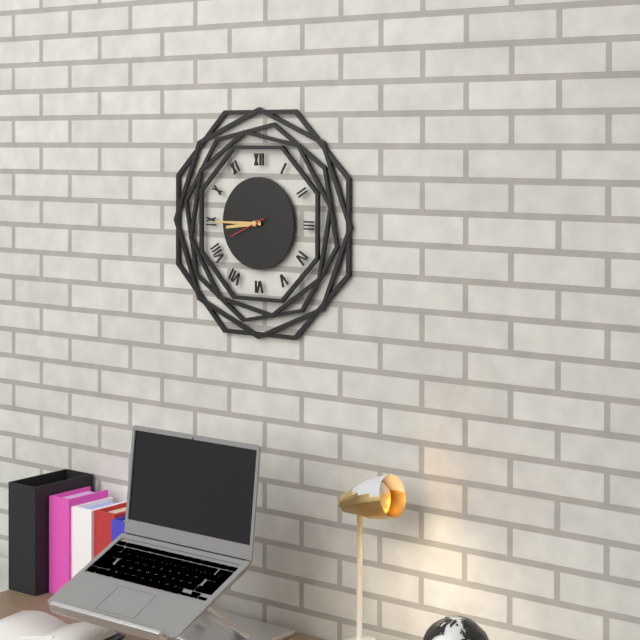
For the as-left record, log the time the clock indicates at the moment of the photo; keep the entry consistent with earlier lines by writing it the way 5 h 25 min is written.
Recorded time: 8 h 45 min
